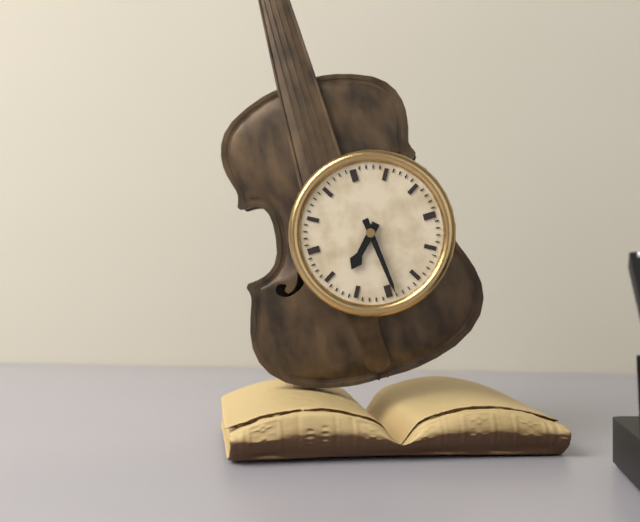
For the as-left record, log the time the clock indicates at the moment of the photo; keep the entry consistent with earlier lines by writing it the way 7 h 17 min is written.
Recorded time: 7 h 29 min
